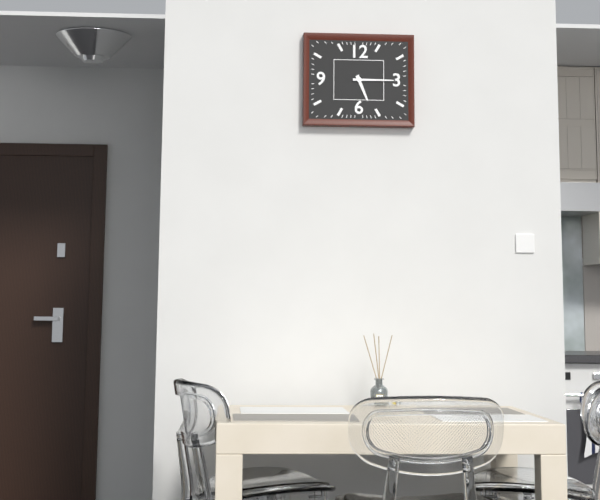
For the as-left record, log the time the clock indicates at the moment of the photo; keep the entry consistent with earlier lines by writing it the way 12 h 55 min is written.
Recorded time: 5 h 15 min
